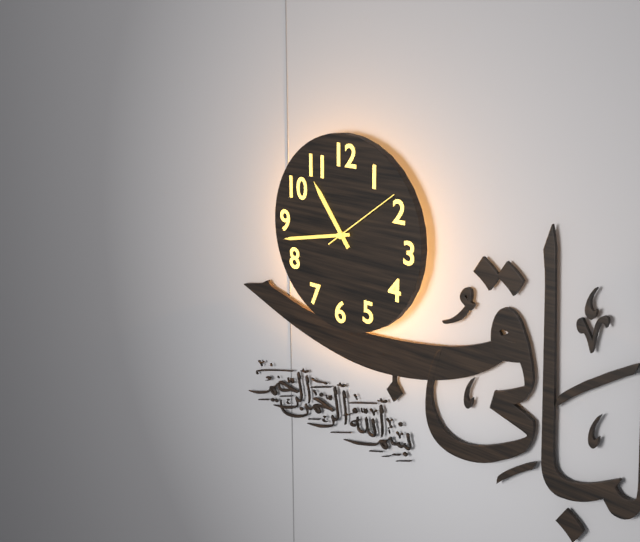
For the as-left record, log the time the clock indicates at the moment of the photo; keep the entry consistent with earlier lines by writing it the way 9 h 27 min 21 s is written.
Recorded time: 10 h 43 min 09 s
